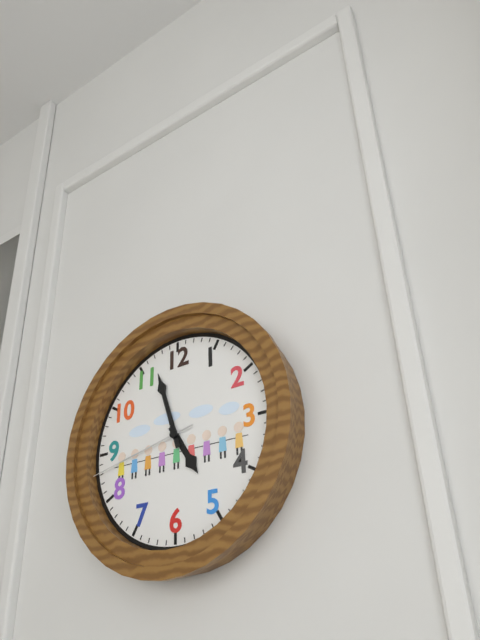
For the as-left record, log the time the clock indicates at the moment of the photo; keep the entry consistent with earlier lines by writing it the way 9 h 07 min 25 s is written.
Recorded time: 4 h 57 min 43 s
